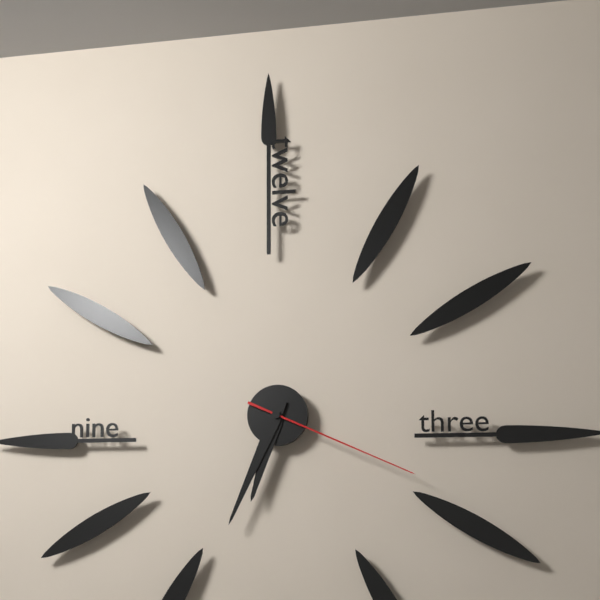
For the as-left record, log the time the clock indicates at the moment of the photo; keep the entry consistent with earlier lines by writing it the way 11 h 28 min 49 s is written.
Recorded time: 6 h 34 min 19 s
